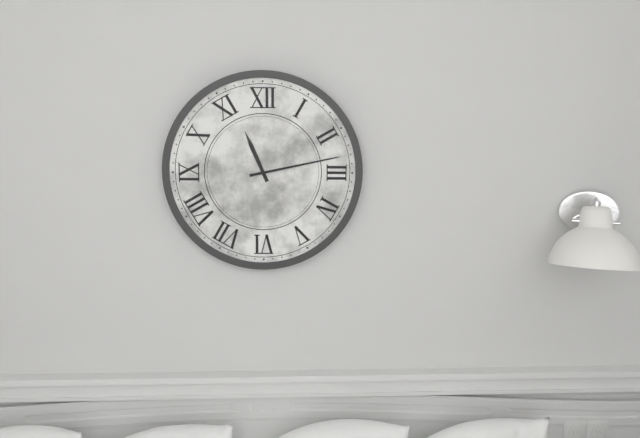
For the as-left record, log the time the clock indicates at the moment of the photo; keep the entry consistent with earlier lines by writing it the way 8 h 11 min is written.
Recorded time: 11 h 13 min
